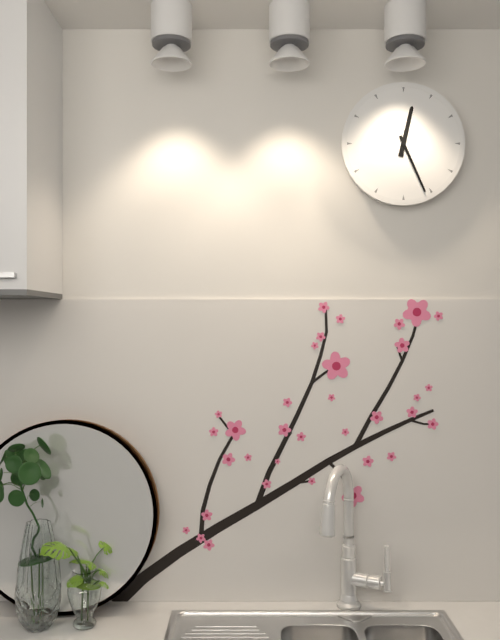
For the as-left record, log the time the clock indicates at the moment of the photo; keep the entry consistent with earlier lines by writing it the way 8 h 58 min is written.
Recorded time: 12 h 26 min
